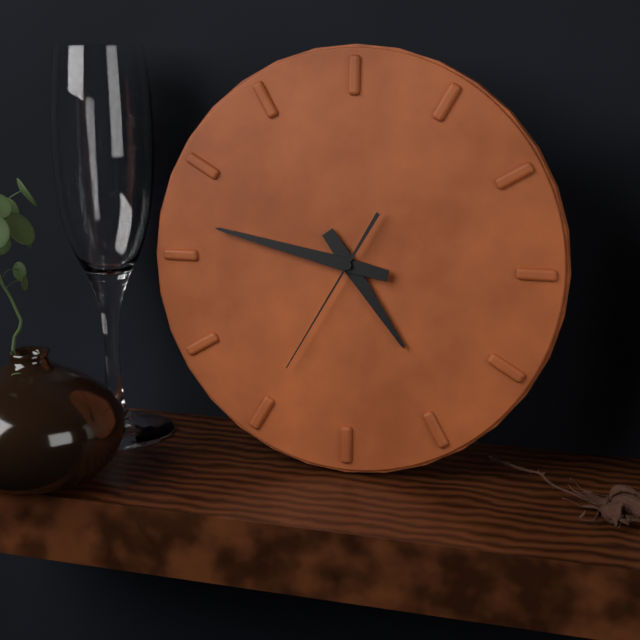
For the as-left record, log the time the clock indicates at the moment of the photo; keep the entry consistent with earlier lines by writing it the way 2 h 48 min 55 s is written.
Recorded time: 4 h 47 min 35 s
